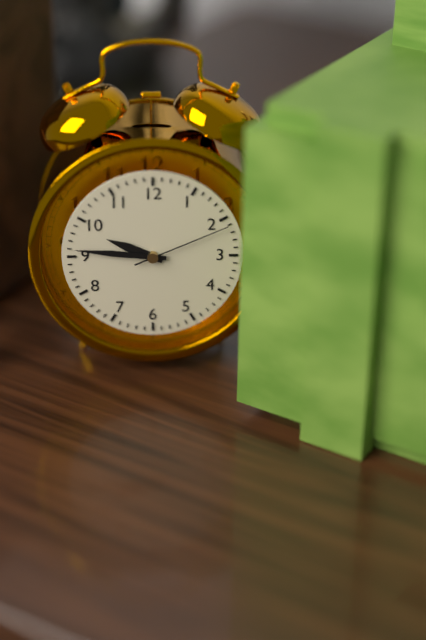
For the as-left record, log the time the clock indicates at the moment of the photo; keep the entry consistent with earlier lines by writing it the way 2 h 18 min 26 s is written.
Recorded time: 9 h 46 min 11 s
